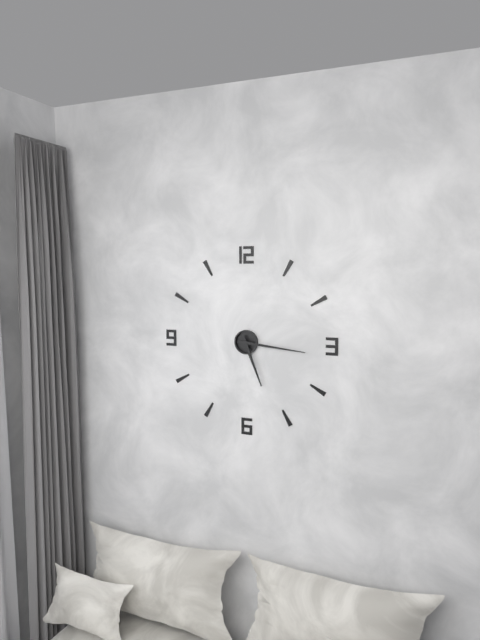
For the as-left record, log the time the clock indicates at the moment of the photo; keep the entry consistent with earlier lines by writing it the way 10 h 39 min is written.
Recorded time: 5 h 16 min
